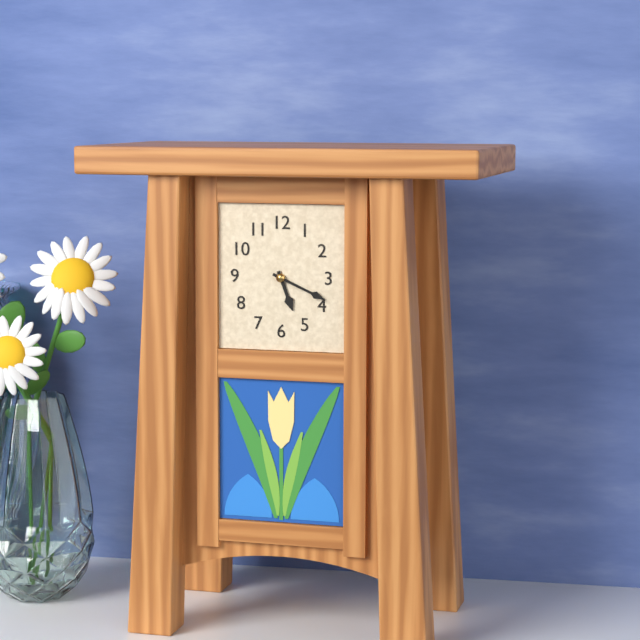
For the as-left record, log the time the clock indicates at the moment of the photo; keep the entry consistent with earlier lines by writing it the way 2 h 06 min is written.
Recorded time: 5 h 19 min
